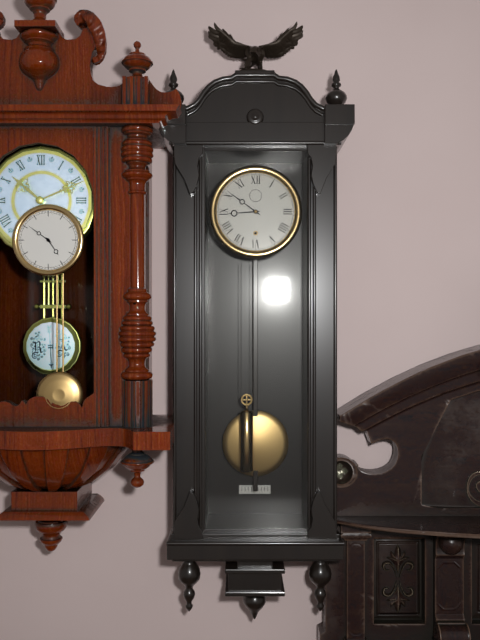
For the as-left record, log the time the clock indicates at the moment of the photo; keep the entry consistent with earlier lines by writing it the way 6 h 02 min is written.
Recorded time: 8 h 51 min
